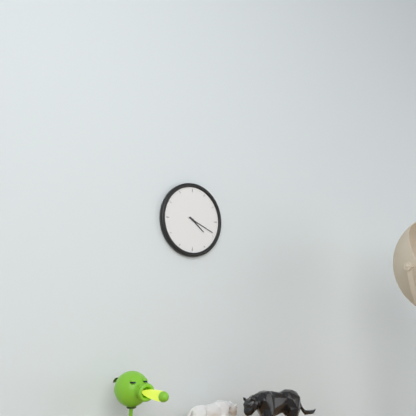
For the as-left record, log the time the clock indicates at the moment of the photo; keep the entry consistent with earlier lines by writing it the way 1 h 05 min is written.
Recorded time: 4 h 19 min
